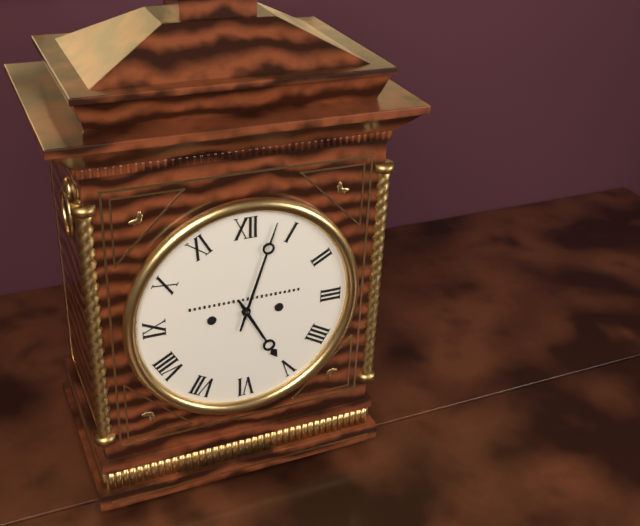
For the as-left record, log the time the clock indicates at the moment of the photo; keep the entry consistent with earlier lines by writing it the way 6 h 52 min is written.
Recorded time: 5 h 03 min
